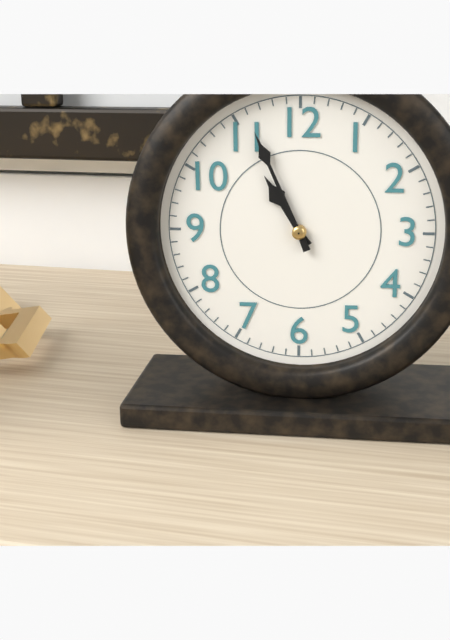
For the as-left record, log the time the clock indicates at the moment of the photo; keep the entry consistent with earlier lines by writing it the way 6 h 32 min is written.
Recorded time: 10 h 56 min
